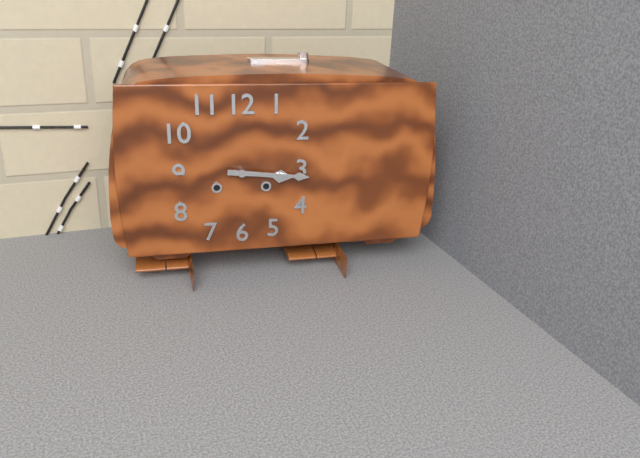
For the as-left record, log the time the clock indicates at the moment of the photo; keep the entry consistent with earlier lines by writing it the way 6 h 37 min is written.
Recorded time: 3 h 16 min
